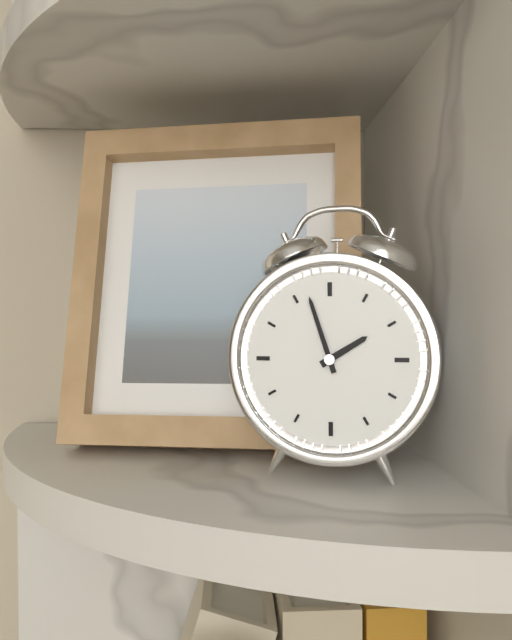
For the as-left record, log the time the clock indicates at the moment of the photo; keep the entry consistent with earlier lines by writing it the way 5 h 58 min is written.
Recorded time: 1 h 57 min
